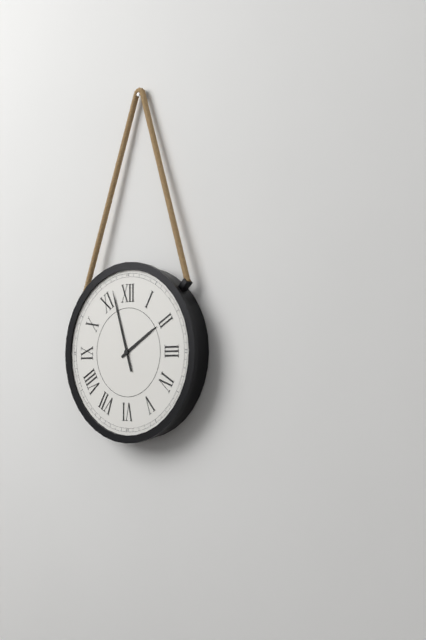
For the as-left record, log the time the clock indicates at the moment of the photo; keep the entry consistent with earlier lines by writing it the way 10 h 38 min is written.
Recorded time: 1 h 57 min
